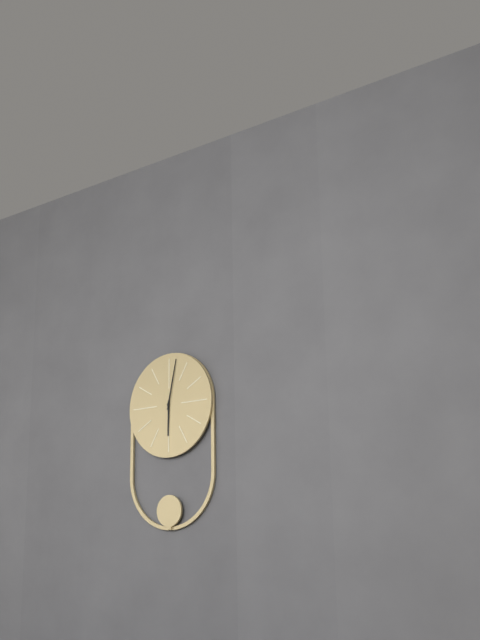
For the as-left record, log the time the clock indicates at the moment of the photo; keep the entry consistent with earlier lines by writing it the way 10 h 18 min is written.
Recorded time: 6 h 02 min
